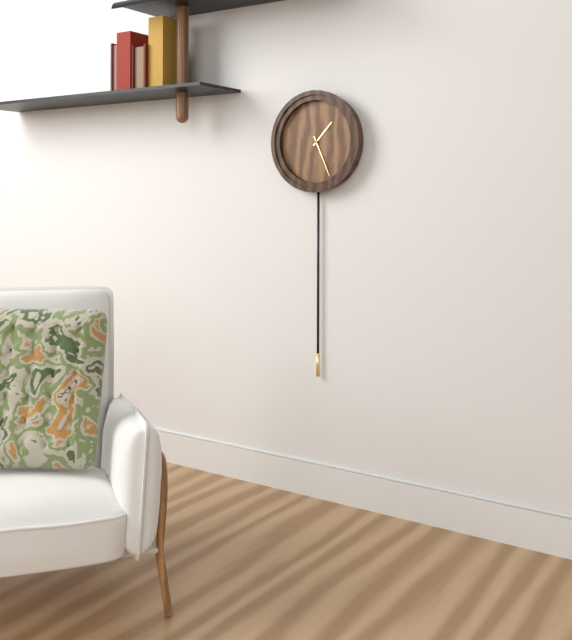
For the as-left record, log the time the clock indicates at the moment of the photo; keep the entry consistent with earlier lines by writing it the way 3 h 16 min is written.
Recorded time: 1 h 26 min
